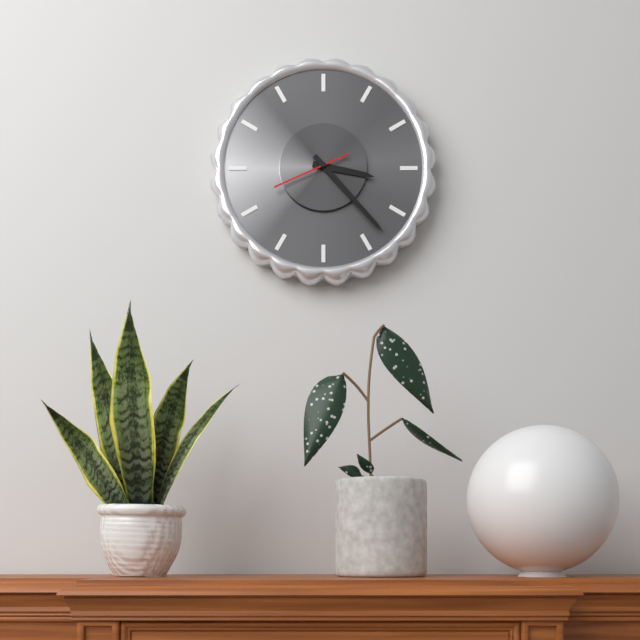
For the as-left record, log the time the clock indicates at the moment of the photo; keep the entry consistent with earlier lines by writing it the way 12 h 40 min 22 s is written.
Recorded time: 3 h 23 min 41 s
